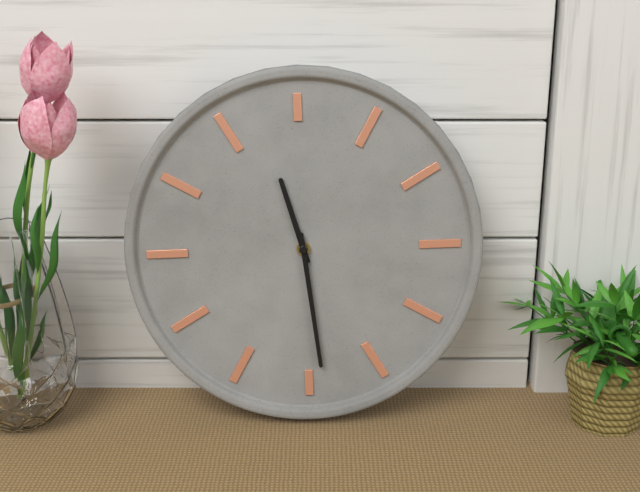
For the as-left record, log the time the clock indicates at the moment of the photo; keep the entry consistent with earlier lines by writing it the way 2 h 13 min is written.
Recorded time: 11 h 29 min
